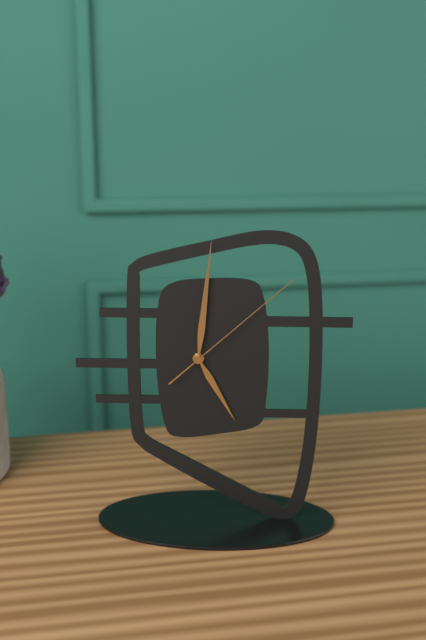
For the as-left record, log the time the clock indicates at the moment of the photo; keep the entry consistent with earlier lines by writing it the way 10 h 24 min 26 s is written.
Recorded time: 5 h 01 min 08 s
